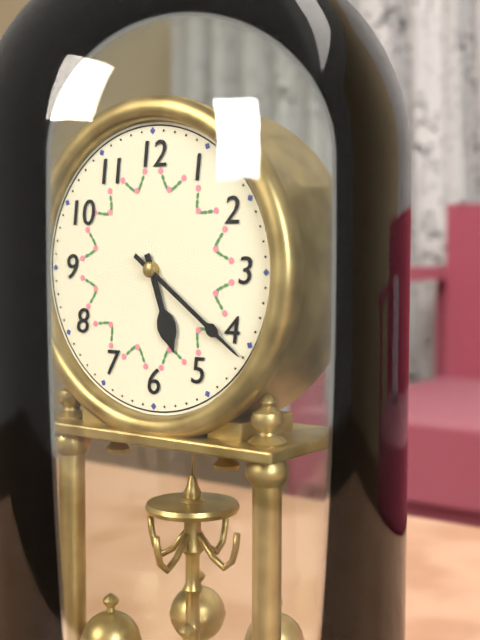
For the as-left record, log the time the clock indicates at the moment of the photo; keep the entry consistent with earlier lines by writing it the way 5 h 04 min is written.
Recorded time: 5 h 21 min
